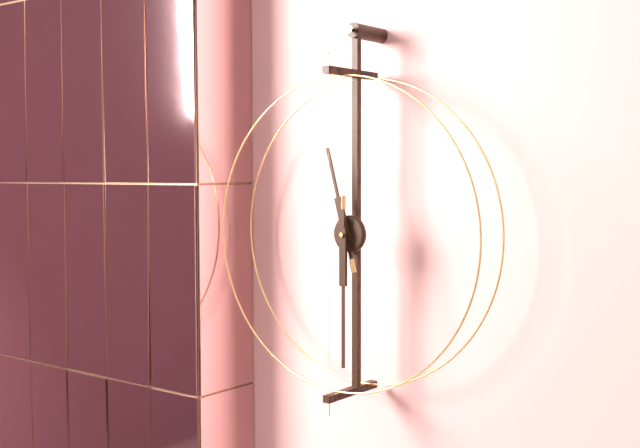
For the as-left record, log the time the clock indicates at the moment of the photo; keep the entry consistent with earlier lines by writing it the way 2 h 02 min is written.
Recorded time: 11 h 30 min
